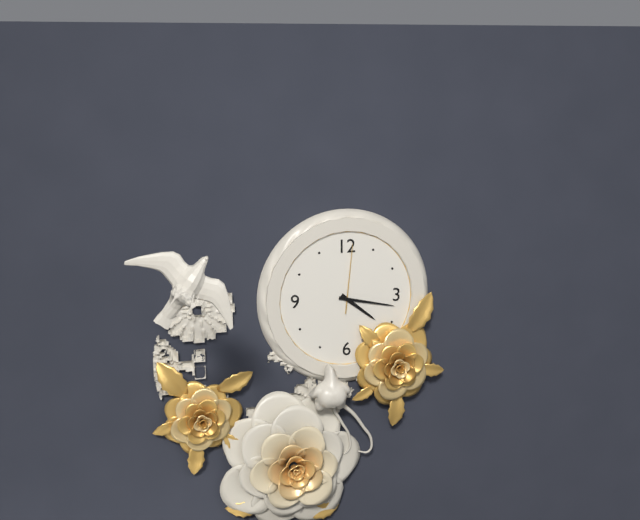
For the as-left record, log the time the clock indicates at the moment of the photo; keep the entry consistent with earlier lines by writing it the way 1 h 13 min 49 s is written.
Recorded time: 4 h 17 min 01 s
